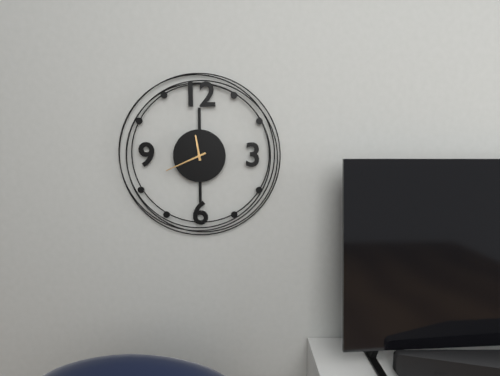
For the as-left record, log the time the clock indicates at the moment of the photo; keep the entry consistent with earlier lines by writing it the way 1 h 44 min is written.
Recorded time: 11 h 41 min
